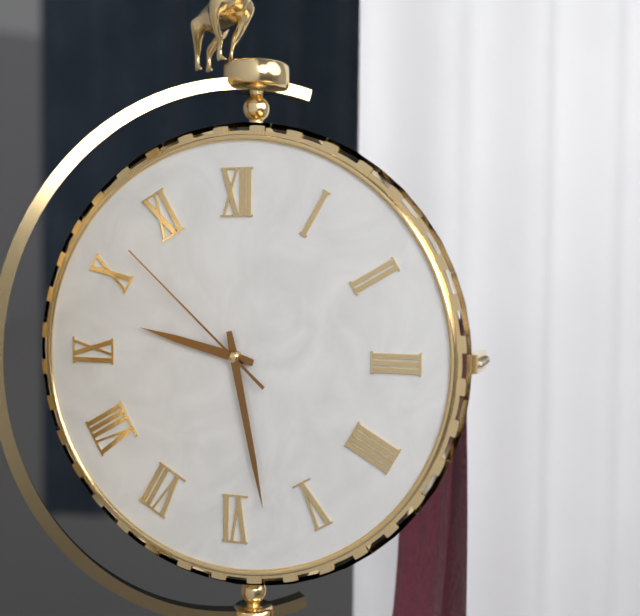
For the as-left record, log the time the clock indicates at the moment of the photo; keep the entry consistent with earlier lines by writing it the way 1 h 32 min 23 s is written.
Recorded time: 9 h 28 min 52 s
